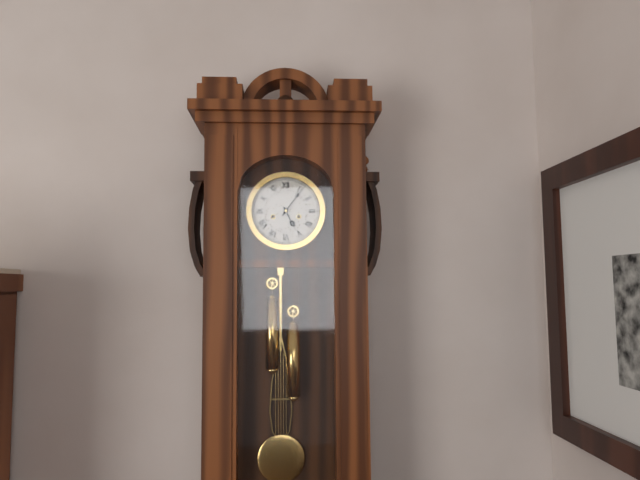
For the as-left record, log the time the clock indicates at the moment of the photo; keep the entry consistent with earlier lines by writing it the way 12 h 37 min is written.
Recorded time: 5 h 06 min
